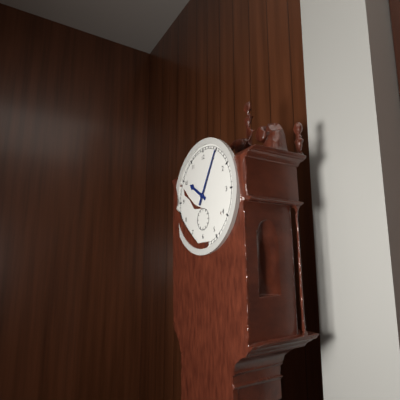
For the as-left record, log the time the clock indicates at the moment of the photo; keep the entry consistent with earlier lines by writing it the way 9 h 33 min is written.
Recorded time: 10 h 05 min
